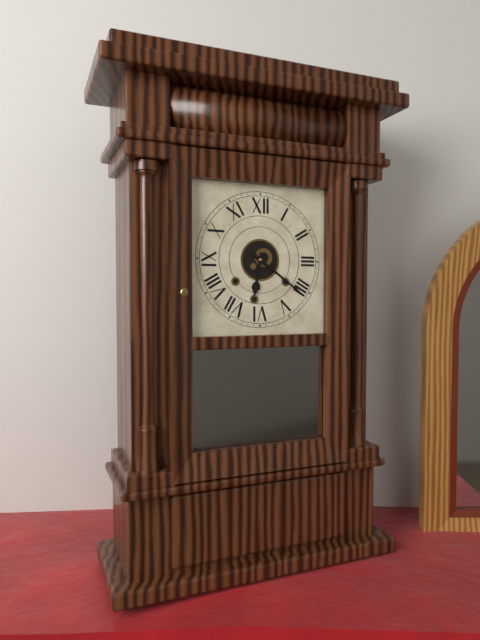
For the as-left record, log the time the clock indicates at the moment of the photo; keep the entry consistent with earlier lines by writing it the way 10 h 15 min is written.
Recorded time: 6 h 21 min
